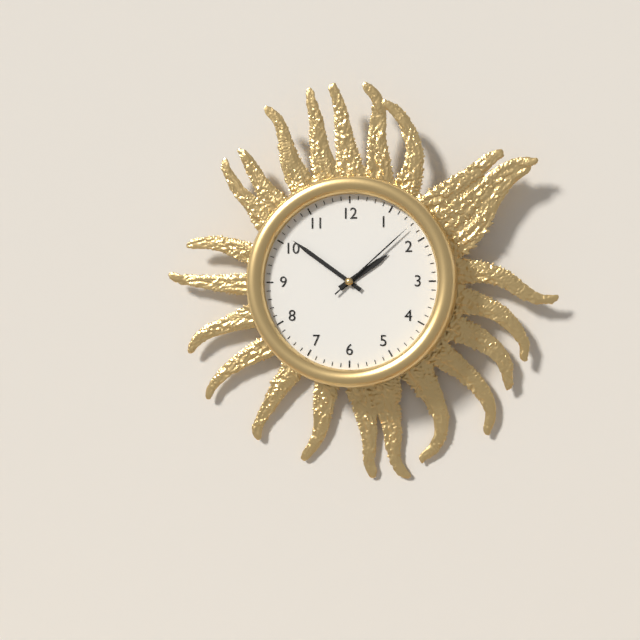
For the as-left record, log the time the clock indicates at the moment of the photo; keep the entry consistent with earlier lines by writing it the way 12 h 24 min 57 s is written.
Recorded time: 1 h 51 min 08 s
